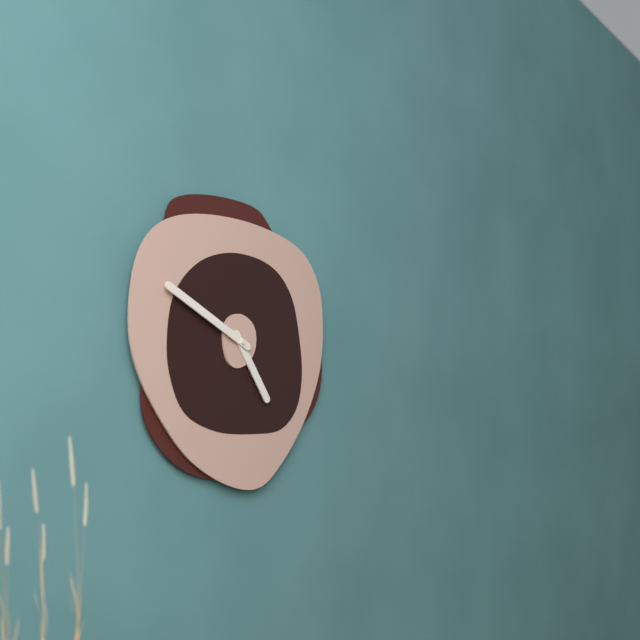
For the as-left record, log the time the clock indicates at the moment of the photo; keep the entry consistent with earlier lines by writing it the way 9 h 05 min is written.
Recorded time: 4 h 49 min
